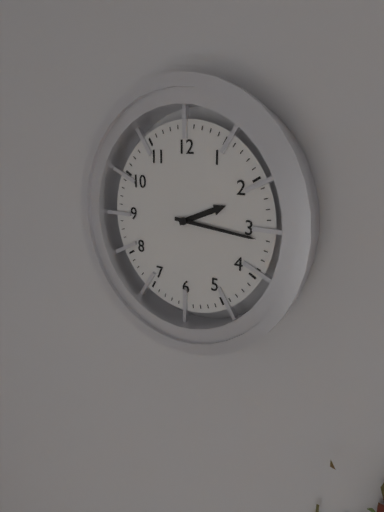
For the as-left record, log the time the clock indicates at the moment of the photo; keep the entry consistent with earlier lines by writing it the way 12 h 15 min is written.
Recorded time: 2 h 16 min
